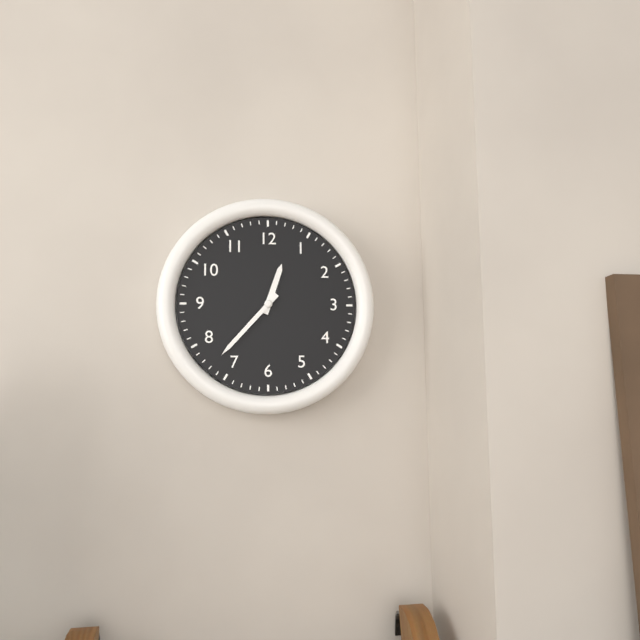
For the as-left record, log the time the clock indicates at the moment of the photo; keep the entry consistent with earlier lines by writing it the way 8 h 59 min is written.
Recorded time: 12 h 37 min
